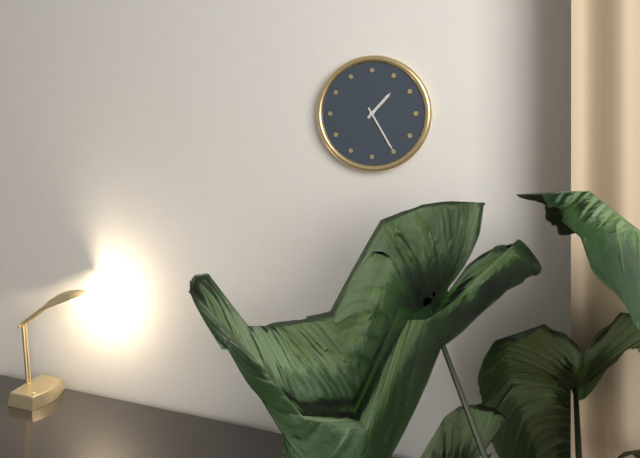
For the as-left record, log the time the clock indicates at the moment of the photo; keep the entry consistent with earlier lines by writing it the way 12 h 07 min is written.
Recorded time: 1 h 25 min
